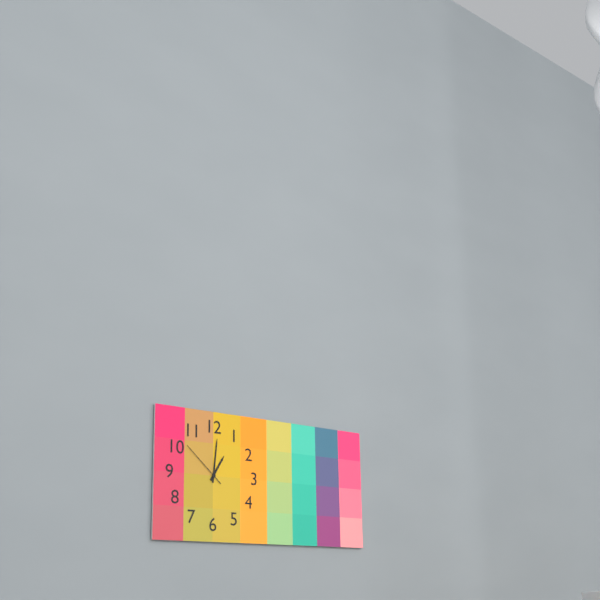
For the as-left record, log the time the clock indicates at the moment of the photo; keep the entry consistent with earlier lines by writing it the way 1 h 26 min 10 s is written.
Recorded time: 1 h 01 min 52 s
